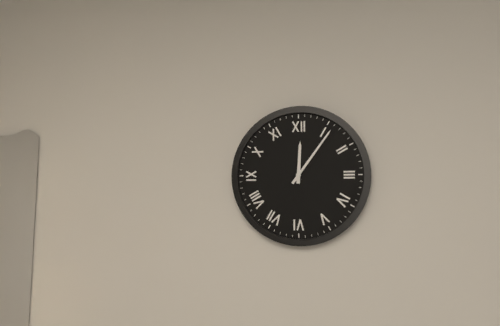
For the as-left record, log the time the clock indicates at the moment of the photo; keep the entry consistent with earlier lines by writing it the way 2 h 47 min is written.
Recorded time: 12 h 06 min
